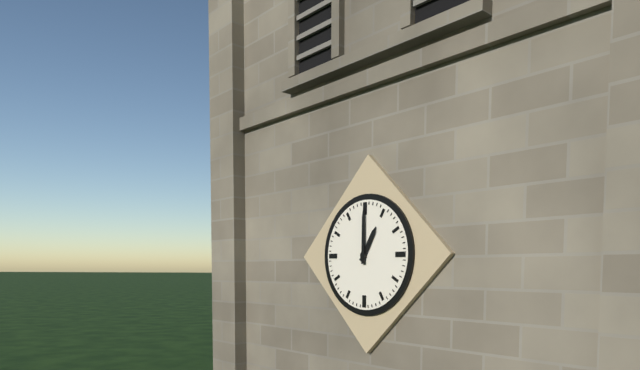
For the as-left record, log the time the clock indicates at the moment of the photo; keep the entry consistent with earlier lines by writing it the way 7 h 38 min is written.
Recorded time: 1 h 00 min
